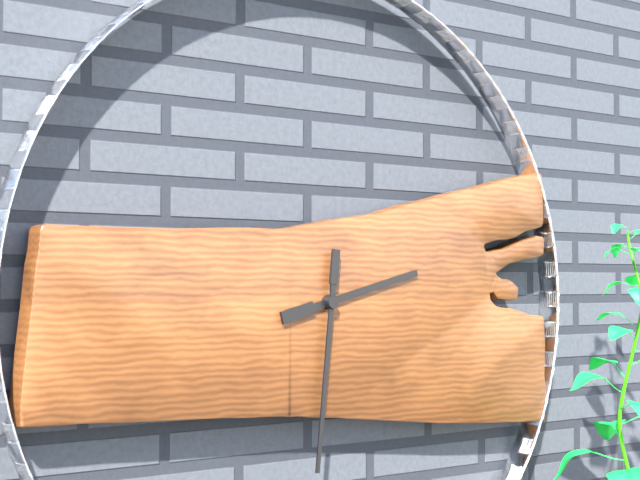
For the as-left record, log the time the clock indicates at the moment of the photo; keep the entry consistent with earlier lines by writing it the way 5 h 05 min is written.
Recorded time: 2 h 31 min
